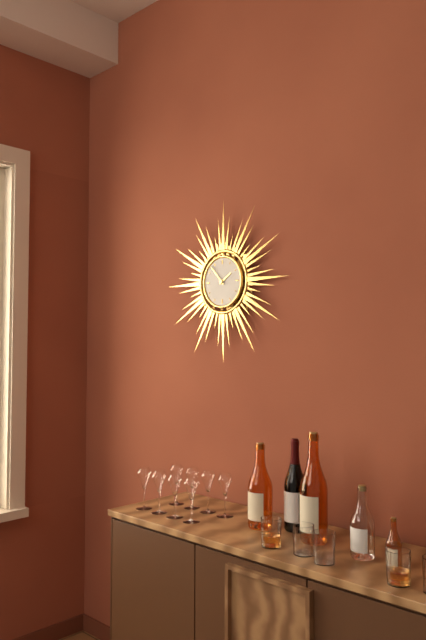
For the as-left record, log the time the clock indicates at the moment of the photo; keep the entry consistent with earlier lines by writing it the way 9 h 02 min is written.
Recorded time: 1 h 53 min
